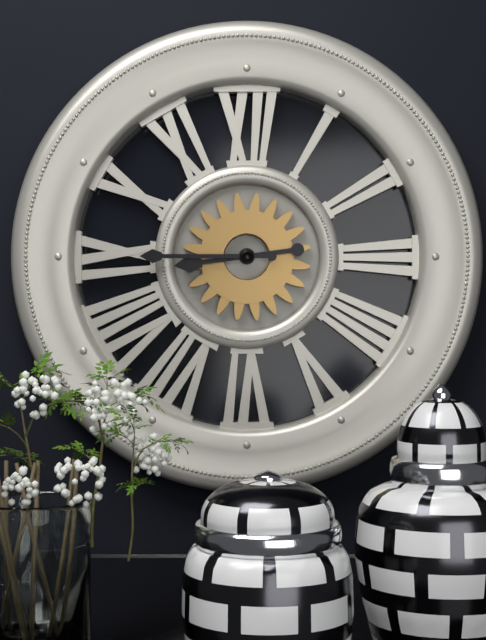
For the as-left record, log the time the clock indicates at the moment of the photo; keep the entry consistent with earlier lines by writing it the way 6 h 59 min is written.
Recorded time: 8 h 45 min
